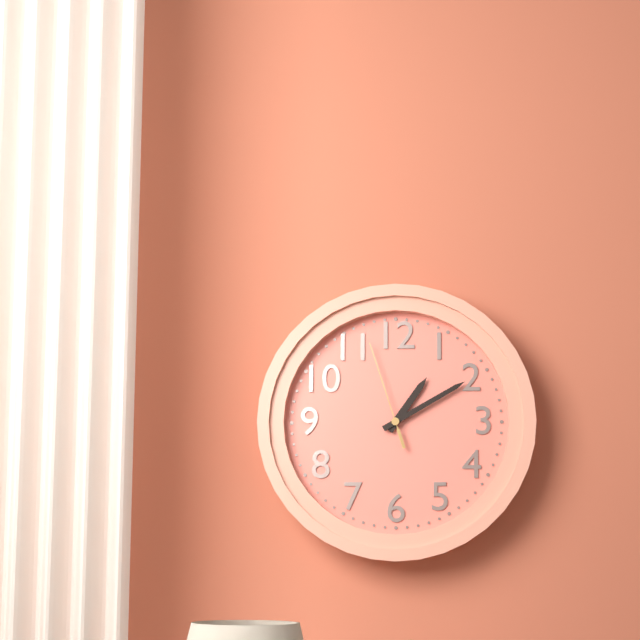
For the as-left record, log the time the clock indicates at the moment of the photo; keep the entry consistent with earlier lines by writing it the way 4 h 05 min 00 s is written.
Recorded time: 1 h 10 min 57 s
